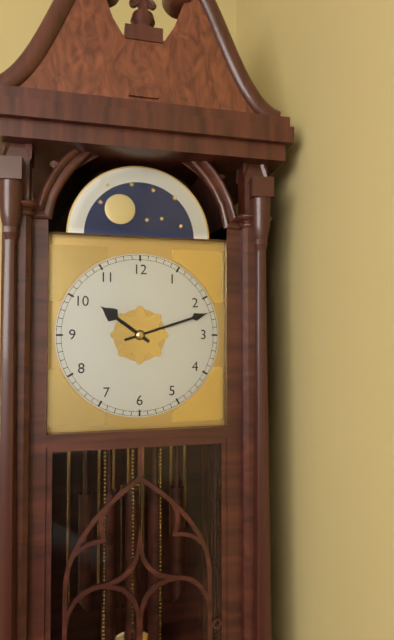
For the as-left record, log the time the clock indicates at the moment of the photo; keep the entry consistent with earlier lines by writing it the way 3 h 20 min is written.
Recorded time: 10 h 12 min
